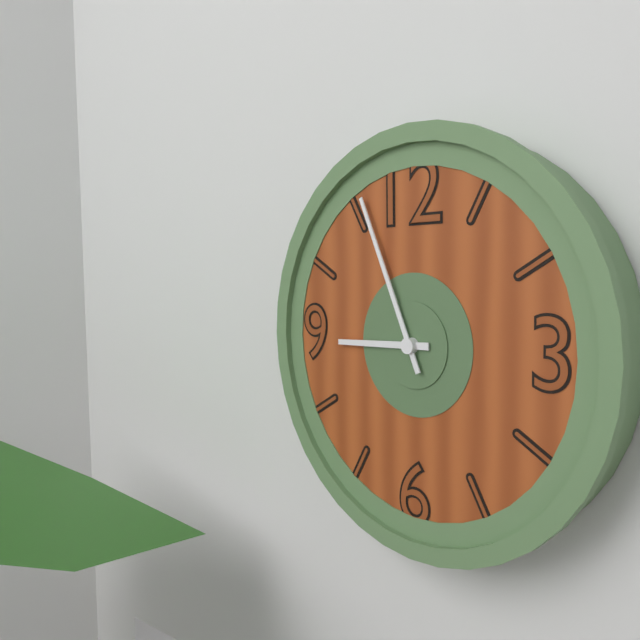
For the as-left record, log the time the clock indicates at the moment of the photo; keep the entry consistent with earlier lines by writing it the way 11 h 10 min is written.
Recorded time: 8 h 56 min
